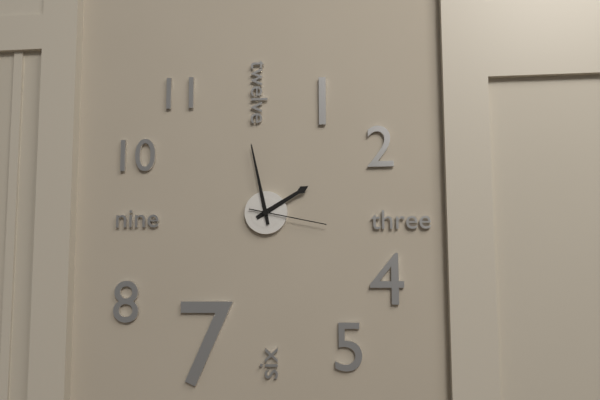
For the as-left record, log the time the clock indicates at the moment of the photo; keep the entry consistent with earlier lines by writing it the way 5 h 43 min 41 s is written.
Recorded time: 1 h 58 min 17 s
